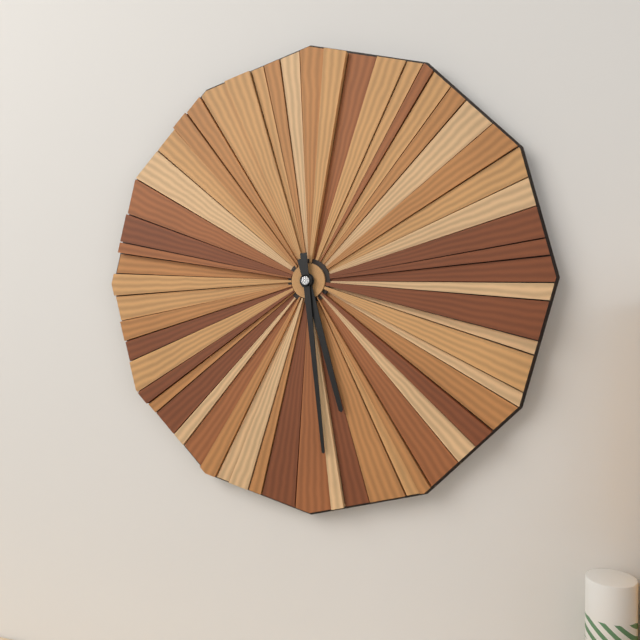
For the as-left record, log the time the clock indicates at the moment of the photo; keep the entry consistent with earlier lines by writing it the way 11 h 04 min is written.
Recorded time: 5 h 29 min
